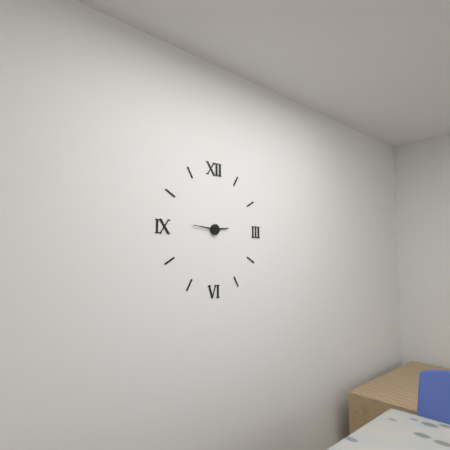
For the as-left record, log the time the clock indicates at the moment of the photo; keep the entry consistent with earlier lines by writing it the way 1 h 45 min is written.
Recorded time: 2 h 46 min
